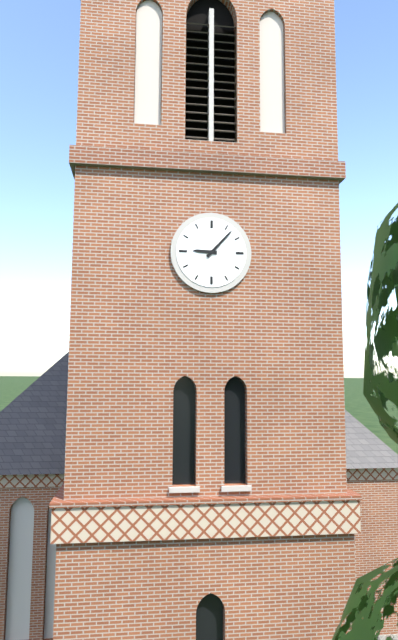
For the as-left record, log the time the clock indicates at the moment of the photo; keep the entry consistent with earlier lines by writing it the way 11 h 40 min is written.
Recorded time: 9 h 07 min
